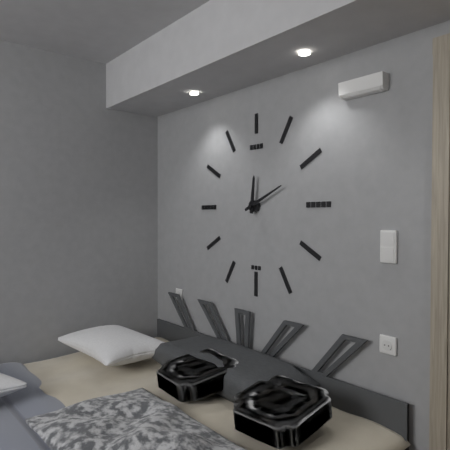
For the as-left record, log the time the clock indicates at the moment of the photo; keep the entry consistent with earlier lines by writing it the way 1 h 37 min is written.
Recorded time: 12 h 11 min
